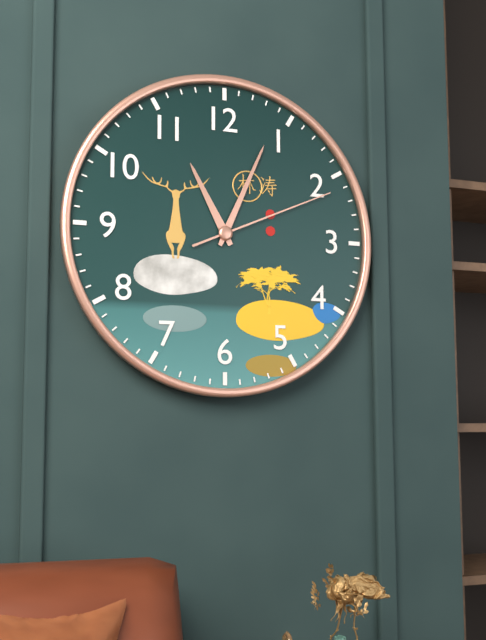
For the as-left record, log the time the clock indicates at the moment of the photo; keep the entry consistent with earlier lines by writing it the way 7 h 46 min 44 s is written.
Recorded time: 11 h 04 min 11 s
